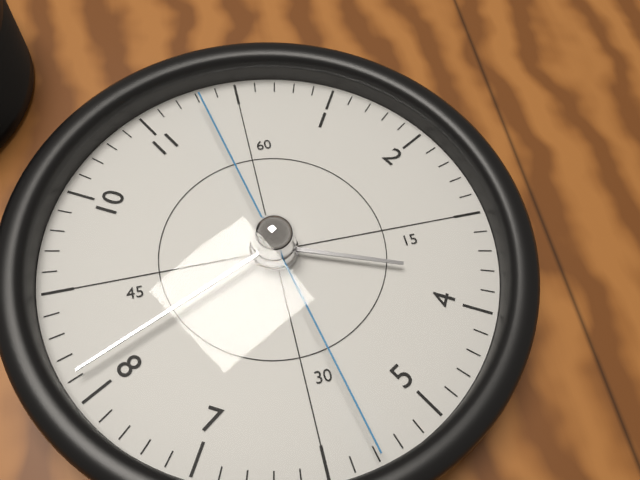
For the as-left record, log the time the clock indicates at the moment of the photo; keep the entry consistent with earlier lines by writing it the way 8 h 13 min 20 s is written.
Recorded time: 3 h 41 min 28 s
